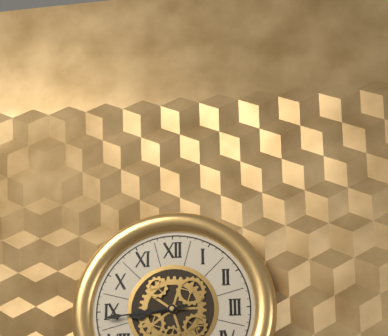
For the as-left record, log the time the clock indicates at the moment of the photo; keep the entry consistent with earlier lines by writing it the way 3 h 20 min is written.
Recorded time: 8 h 44 min
